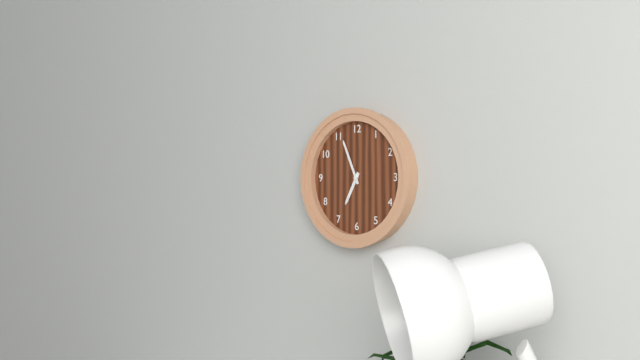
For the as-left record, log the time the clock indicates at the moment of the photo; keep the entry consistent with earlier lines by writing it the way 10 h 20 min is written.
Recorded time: 6 h 56 min
